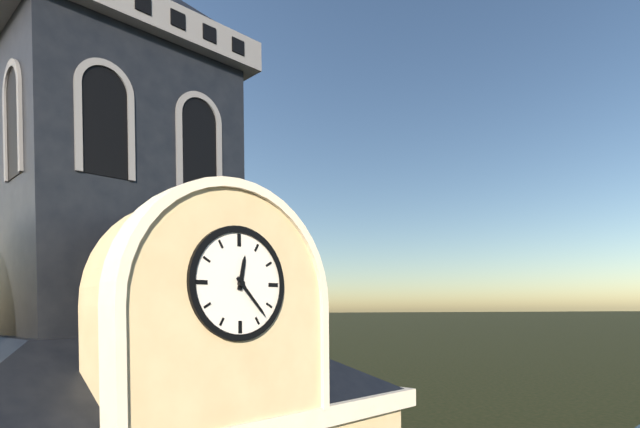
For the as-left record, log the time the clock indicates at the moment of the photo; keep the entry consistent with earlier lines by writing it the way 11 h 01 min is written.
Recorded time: 12 h 23 min
